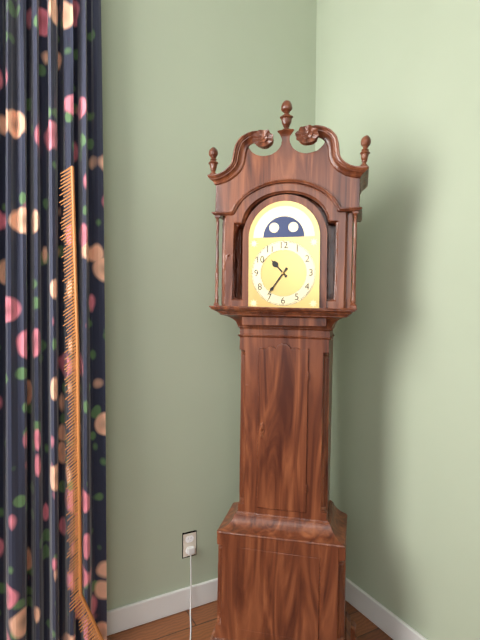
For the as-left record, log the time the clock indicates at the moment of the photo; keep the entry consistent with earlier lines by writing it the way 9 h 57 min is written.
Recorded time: 10 h 36 min
